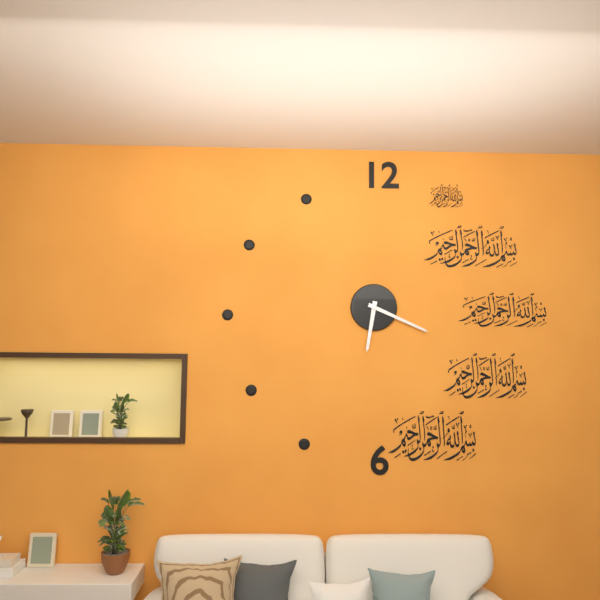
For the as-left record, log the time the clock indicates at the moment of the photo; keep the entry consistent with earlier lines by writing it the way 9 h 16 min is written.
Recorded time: 6 h 19 min
